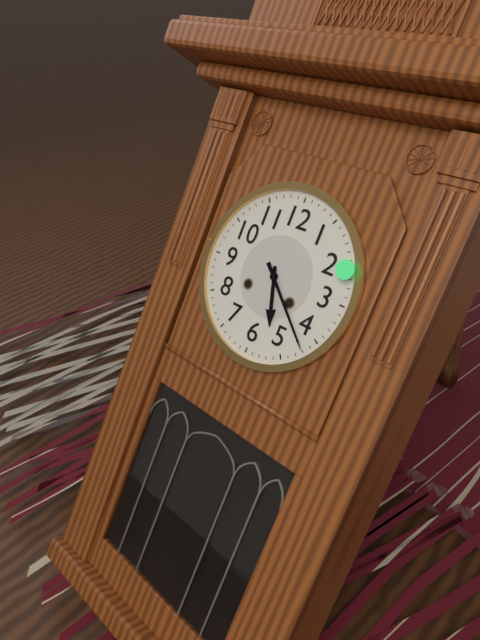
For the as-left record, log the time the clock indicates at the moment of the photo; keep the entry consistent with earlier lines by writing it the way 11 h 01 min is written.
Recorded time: 5 h 22 min
